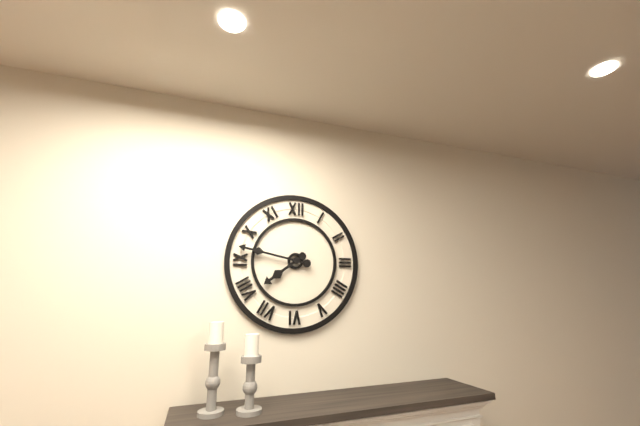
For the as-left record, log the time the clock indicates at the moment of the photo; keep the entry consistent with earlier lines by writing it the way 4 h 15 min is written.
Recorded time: 7 h 47 min
